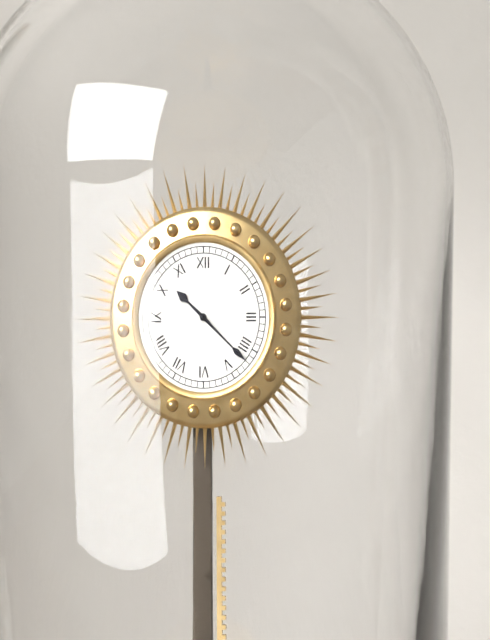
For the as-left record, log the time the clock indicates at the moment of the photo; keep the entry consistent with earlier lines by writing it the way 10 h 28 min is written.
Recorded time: 10 h 22 min
